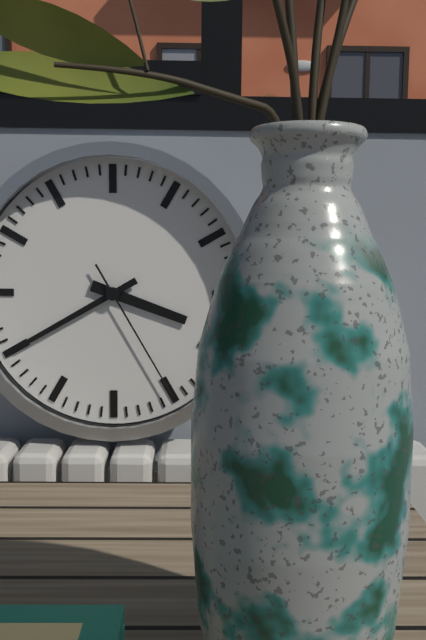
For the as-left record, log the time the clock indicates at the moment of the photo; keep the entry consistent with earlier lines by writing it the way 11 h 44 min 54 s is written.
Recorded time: 3 h 40 min 25 s
